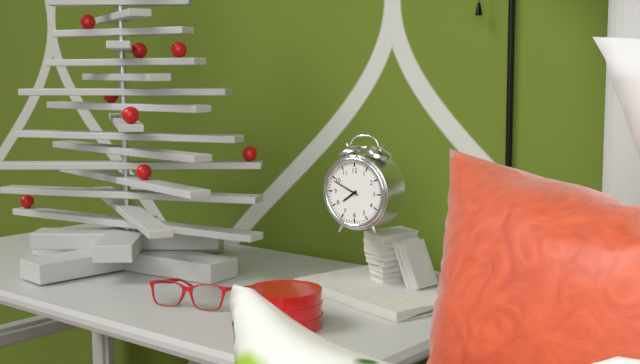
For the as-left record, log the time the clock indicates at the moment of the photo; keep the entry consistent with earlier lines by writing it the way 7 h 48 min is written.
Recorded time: 7 h 49 min
